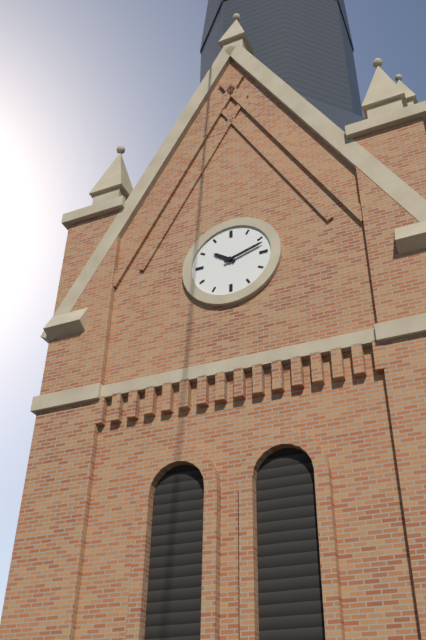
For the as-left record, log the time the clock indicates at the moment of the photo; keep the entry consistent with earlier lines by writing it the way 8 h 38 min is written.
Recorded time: 10 h 12 min
